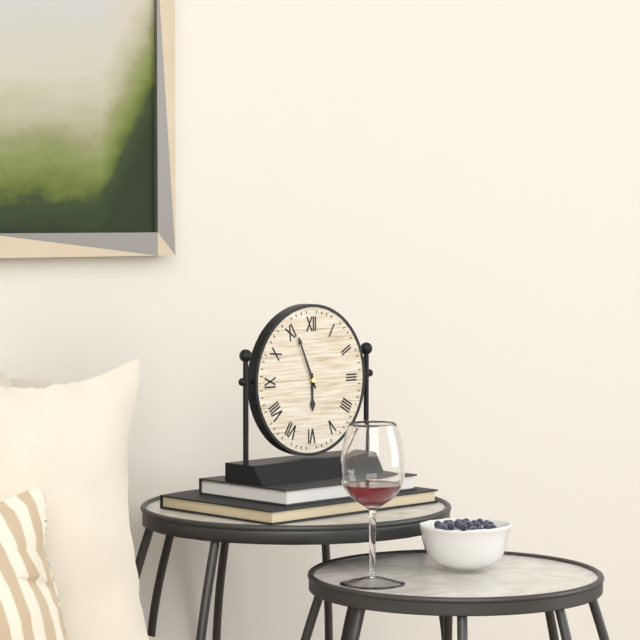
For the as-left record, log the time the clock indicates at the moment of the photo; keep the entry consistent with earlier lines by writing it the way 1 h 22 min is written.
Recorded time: 5 h 56 min
